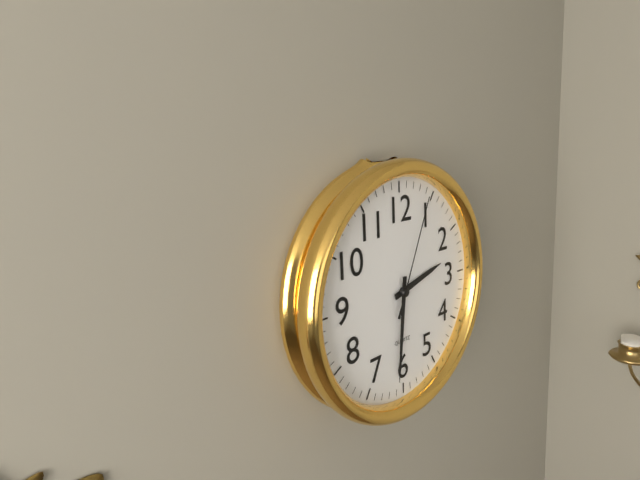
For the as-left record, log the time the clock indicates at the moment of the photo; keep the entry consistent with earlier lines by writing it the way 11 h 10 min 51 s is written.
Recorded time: 2 h 31 min 04 s
